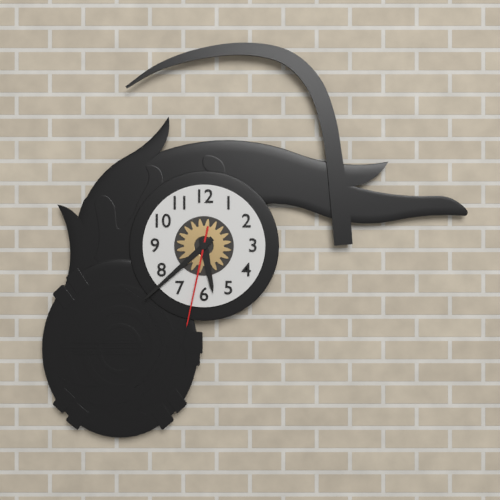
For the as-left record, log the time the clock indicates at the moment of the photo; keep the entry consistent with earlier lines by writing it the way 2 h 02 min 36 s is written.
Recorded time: 5 h 38 min 32 s
